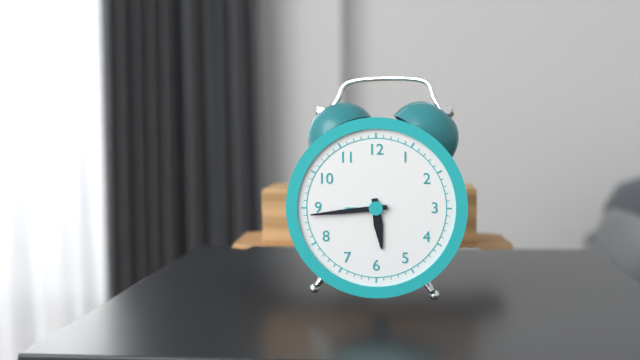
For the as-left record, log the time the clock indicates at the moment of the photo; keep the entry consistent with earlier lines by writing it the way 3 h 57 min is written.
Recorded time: 5 h 44 min
